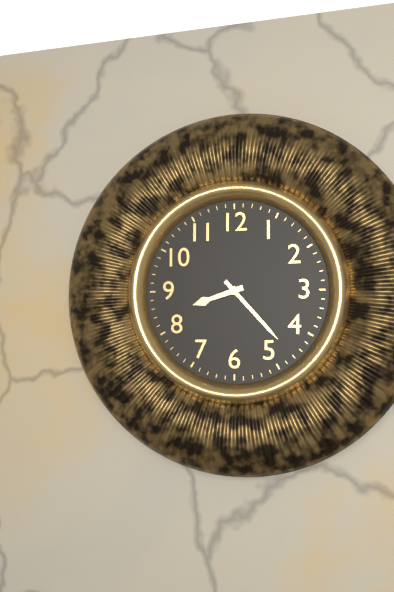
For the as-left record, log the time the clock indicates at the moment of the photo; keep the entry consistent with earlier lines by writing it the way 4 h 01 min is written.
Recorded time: 8 h 23 min
